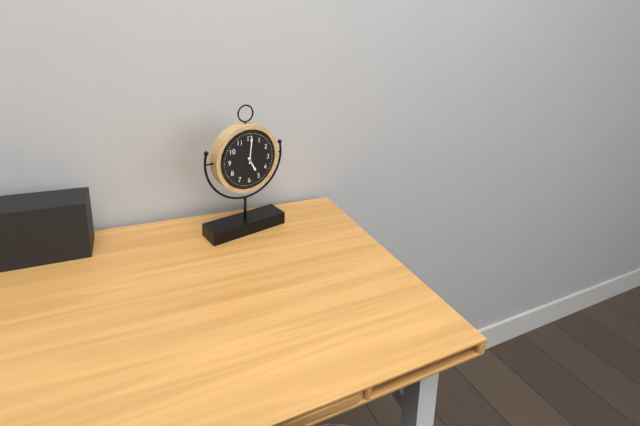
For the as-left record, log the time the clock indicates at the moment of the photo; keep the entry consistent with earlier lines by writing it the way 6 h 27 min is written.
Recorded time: 5 h 01 min
